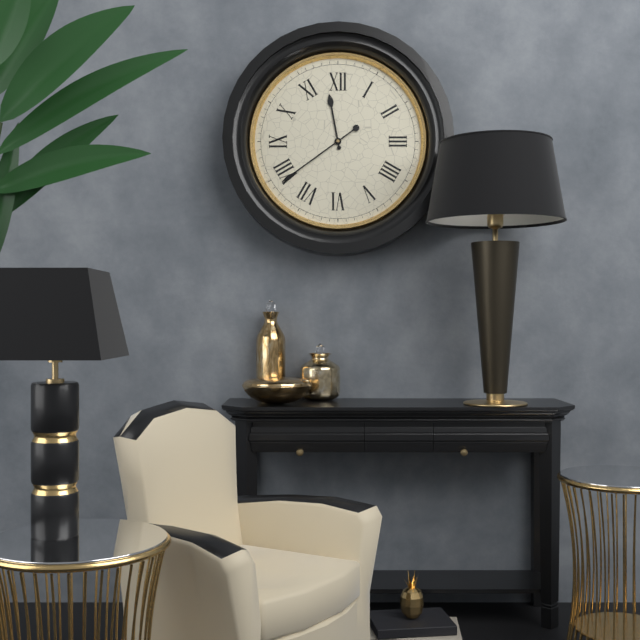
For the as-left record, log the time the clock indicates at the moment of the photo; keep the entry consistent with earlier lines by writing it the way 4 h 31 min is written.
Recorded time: 11 h 39 min
